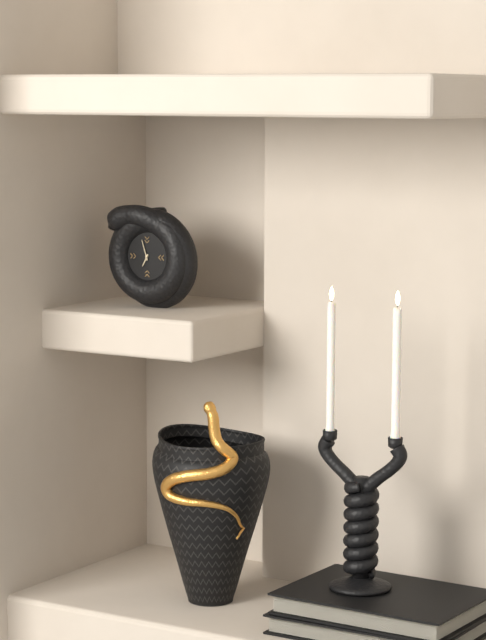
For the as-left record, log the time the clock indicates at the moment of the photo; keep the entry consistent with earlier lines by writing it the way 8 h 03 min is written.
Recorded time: 6 h 57 min
